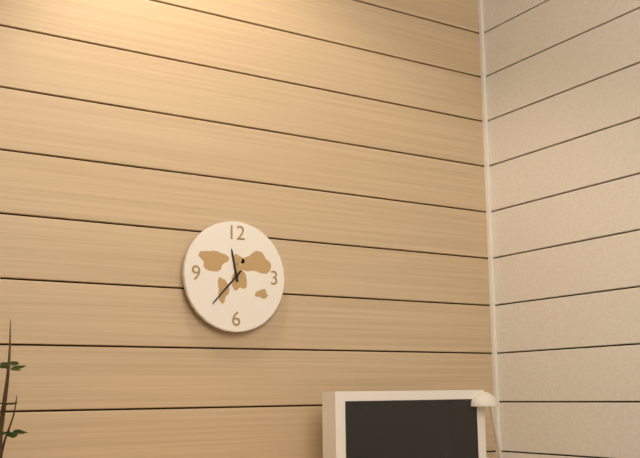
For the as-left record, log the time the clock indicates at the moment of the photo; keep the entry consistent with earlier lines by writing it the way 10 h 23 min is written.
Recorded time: 11 h 37 min
